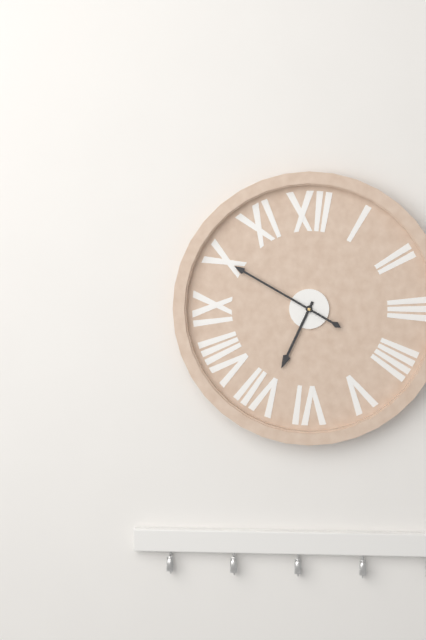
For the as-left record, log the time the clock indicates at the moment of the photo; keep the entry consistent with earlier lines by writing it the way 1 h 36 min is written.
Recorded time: 6 h 50 min
